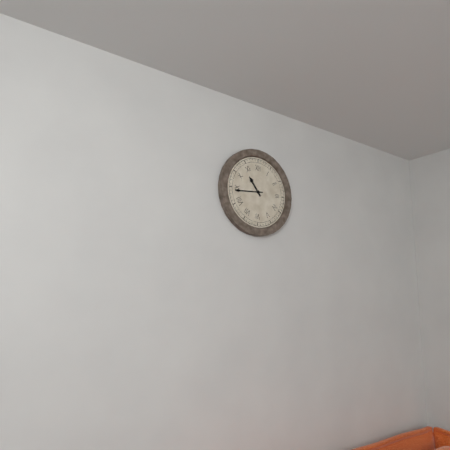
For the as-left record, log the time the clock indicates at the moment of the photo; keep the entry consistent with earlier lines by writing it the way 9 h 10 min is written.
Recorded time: 10 h 44 min
